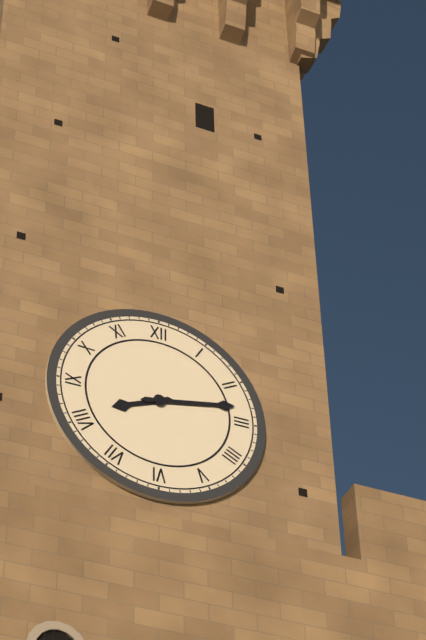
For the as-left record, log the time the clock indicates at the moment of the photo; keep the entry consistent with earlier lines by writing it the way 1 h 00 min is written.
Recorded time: 8 h 13 min
